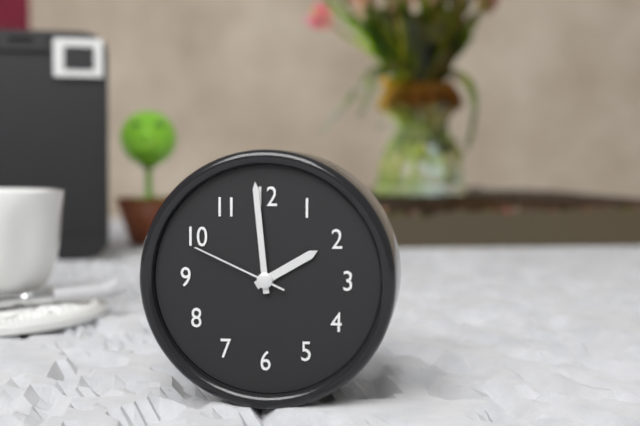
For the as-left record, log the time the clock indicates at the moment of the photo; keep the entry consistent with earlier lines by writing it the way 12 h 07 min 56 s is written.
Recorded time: 1 h 59 min 49 s
